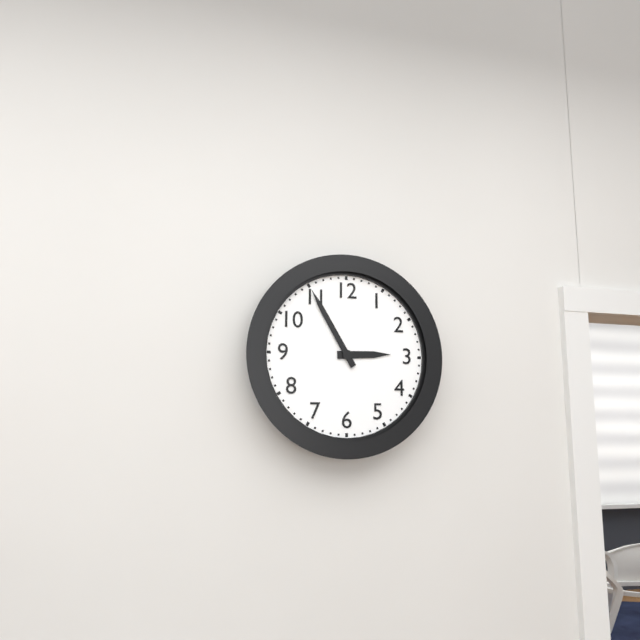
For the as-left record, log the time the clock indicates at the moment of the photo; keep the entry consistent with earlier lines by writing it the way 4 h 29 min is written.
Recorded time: 2 h 55 min
